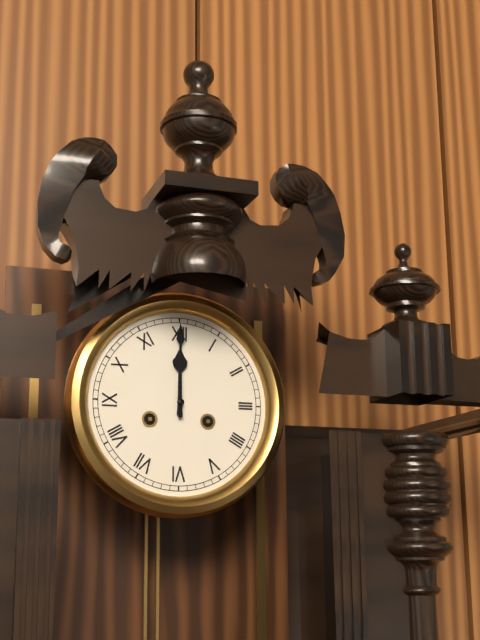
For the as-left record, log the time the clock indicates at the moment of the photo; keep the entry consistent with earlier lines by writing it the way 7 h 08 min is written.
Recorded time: 12 h 00 min
